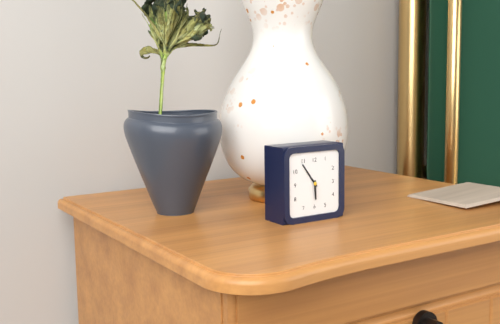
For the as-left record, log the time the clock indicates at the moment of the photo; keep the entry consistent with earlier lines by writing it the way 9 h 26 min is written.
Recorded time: 5 h 54 min
